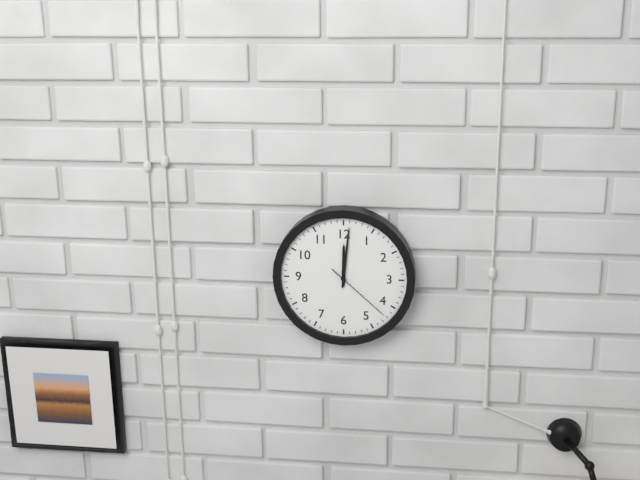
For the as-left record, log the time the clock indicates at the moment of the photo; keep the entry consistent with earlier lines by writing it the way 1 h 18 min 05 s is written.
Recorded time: 12 h 01 min 22 s
